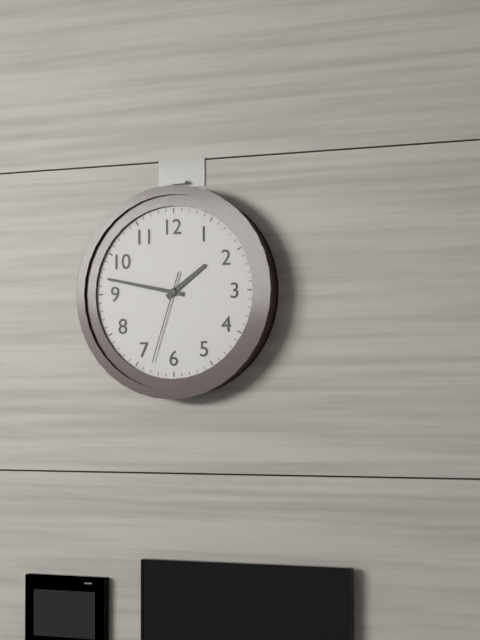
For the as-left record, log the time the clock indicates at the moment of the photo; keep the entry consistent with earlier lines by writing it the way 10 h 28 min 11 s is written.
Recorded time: 1 h 47 min 33 s
